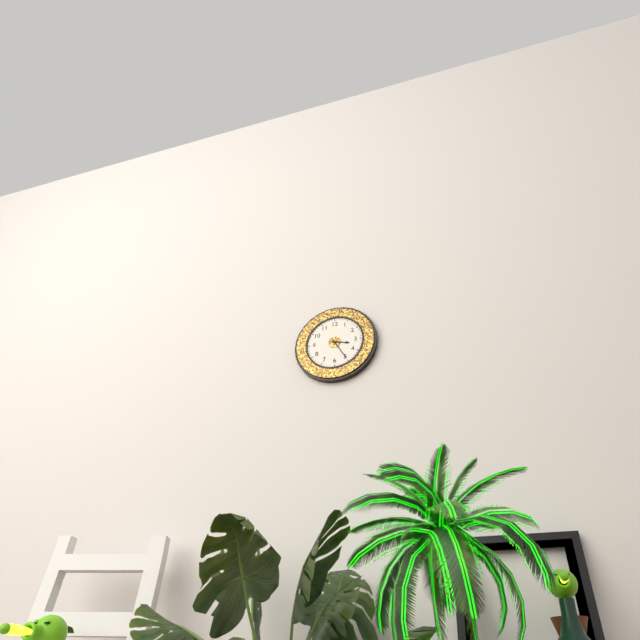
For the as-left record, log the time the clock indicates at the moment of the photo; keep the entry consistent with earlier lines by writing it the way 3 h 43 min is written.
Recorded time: 3 h 25 min
